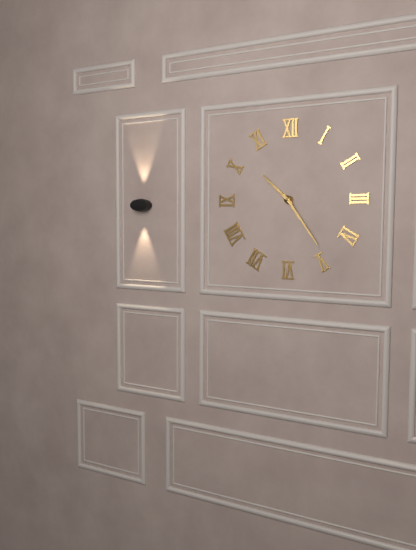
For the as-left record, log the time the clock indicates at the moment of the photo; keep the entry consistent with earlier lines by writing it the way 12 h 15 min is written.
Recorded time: 10 h 24 min
